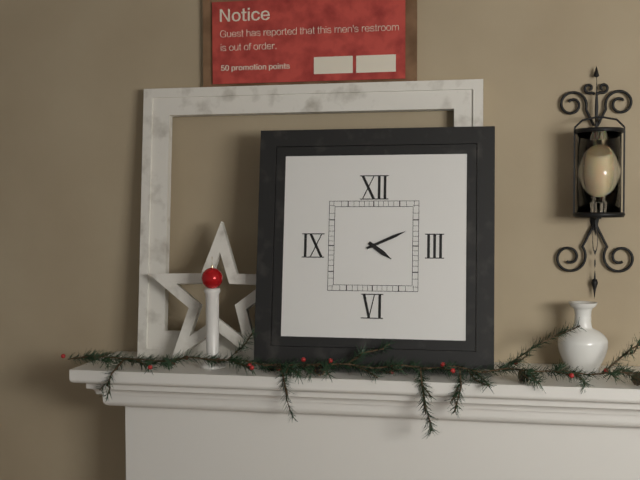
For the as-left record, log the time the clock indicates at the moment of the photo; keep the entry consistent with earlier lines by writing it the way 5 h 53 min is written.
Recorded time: 4 h 11 min
